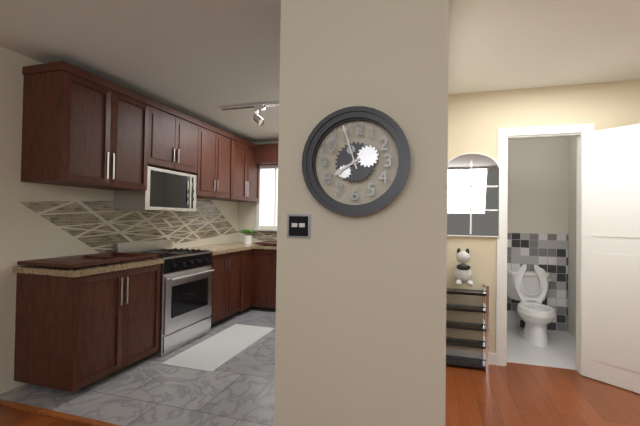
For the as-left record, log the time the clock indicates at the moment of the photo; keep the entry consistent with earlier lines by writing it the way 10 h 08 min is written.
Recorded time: 7 h 57 min
